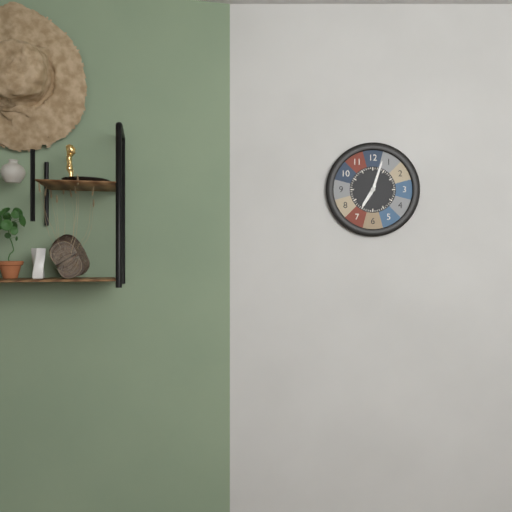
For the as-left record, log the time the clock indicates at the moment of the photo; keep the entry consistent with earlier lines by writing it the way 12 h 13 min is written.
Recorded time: 7 h 03 min
